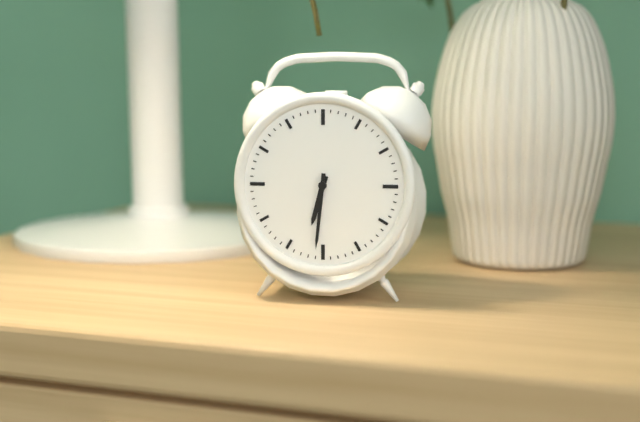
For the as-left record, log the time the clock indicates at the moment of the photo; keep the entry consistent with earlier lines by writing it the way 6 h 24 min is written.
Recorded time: 6 h 31 min
